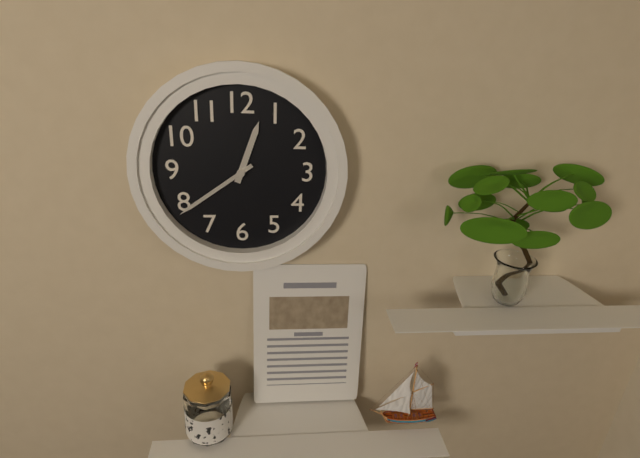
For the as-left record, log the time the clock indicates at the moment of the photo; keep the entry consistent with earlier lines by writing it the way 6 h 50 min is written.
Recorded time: 12 h 39 min
